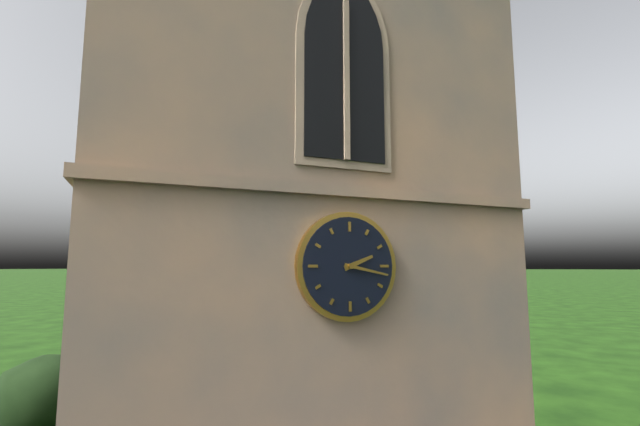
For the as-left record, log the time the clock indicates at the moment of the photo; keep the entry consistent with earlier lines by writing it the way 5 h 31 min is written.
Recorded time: 2 h 17 min
